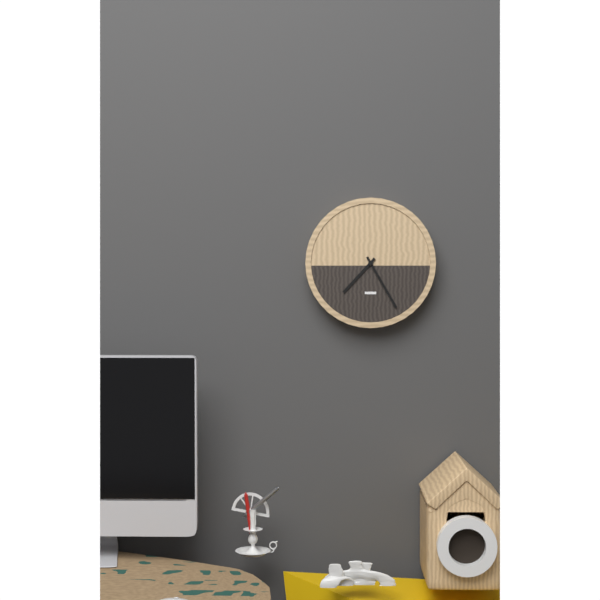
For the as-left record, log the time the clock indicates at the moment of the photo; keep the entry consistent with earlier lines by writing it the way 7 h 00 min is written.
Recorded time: 7 h 25 min
